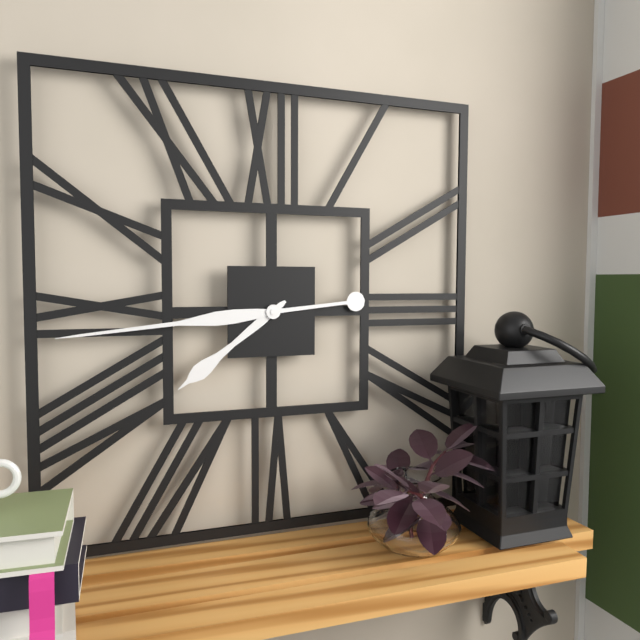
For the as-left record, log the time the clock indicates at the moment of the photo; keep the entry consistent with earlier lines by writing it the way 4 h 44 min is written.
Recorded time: 7 h 44 min
